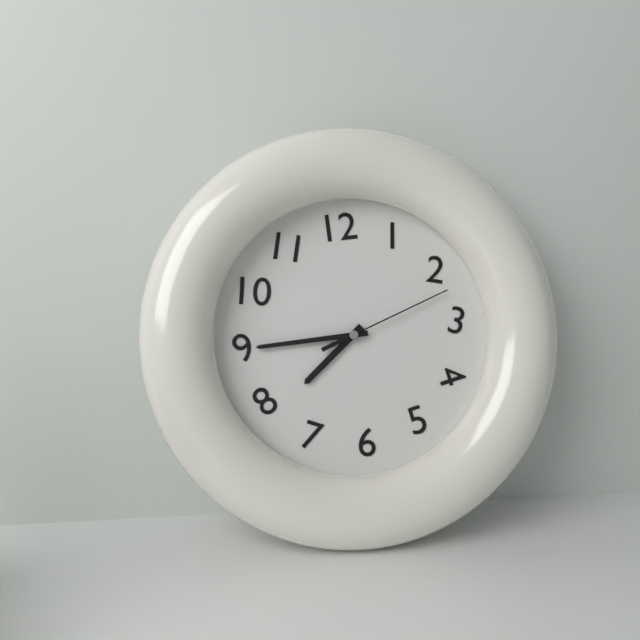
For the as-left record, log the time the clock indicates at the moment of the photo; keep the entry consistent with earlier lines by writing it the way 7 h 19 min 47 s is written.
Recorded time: 7 h 45 min 12 s
